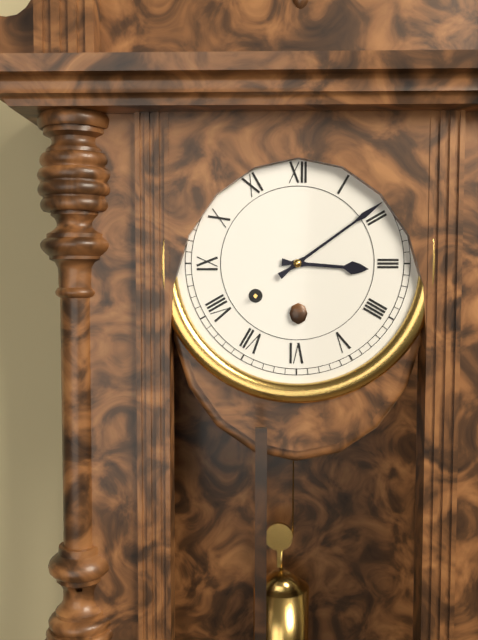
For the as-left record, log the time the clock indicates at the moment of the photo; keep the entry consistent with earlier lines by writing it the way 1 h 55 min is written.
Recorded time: 3 h 09 min
